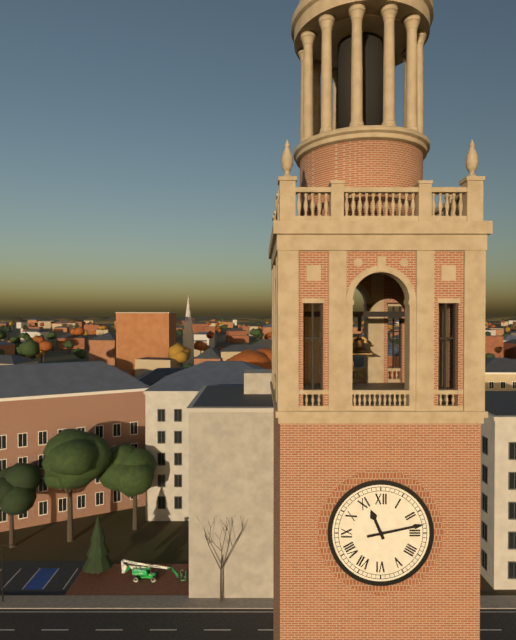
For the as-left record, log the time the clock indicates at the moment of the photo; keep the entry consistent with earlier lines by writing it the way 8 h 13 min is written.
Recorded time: 11 h 13 min
